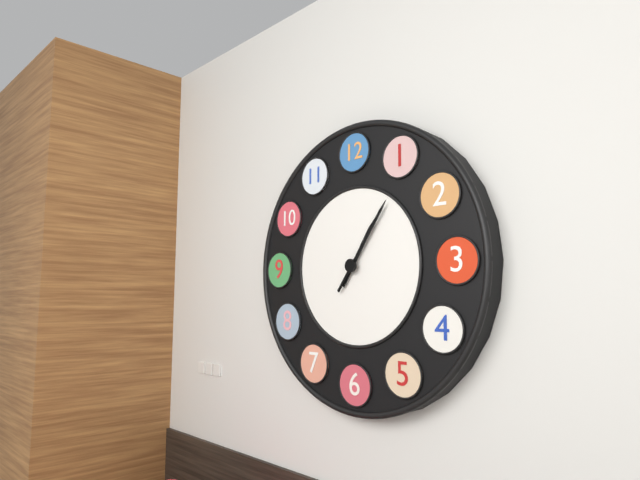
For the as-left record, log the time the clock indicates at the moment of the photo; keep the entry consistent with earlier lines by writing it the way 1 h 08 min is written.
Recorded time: 1 h 06 min
